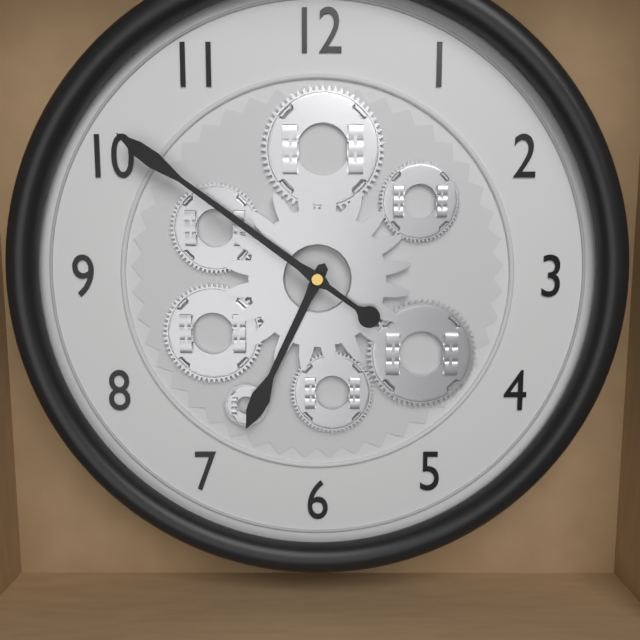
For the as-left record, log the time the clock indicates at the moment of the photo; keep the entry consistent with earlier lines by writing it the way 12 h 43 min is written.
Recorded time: 6 h 51 min
